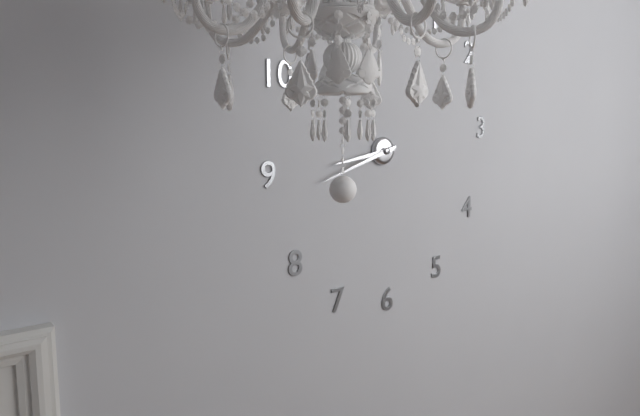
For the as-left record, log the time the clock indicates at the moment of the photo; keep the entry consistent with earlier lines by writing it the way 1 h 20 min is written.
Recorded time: 8 h 42 min
